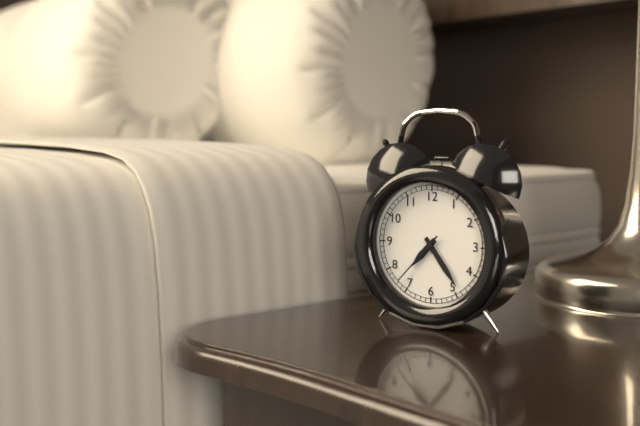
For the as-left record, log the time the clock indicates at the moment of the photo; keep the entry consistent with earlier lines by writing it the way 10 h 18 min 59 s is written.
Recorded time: 7 h 24 min 37 s
